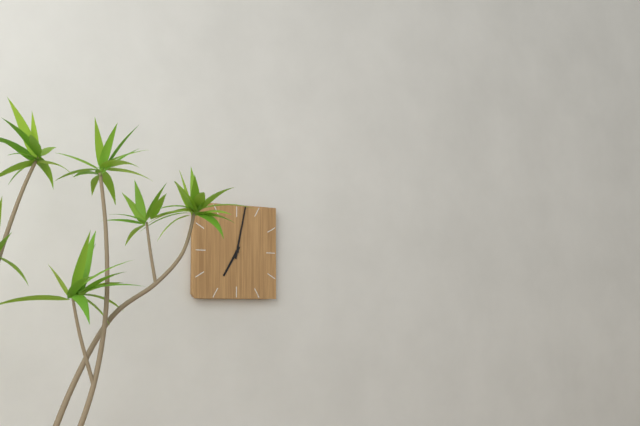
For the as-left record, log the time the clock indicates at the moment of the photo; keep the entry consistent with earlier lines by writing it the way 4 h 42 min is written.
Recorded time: 7 h 02 min
